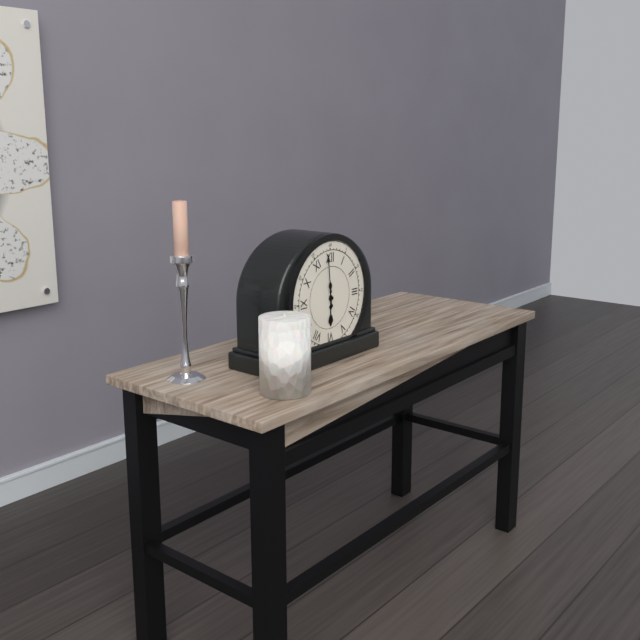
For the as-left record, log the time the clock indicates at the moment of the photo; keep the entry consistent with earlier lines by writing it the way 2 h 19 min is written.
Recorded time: 5 h 59 min
